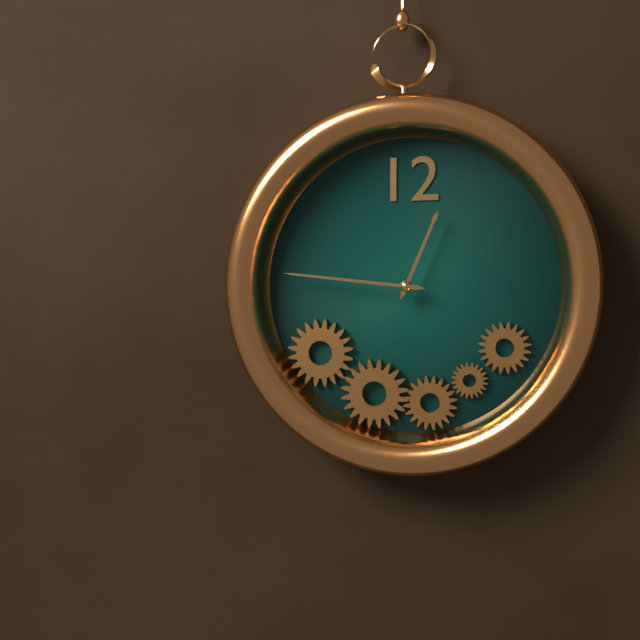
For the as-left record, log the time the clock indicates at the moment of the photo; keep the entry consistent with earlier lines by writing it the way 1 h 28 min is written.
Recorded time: 12 h 46 min
